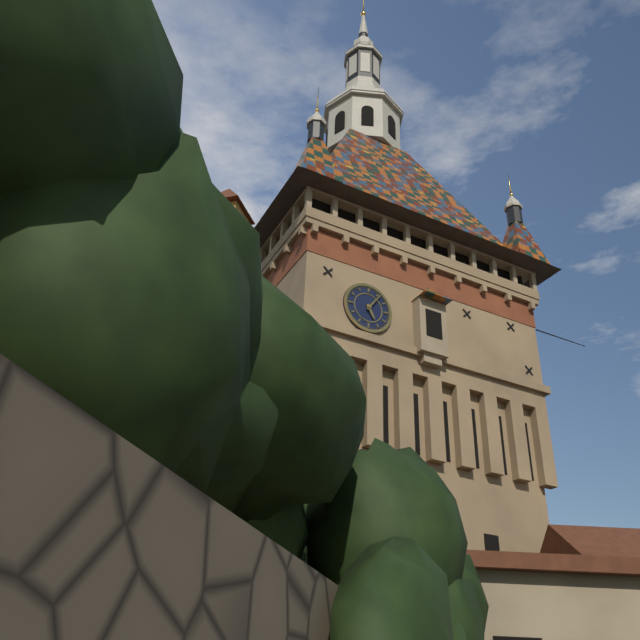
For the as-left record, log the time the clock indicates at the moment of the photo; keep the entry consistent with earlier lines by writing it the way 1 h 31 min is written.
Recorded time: 5 h 06 min
